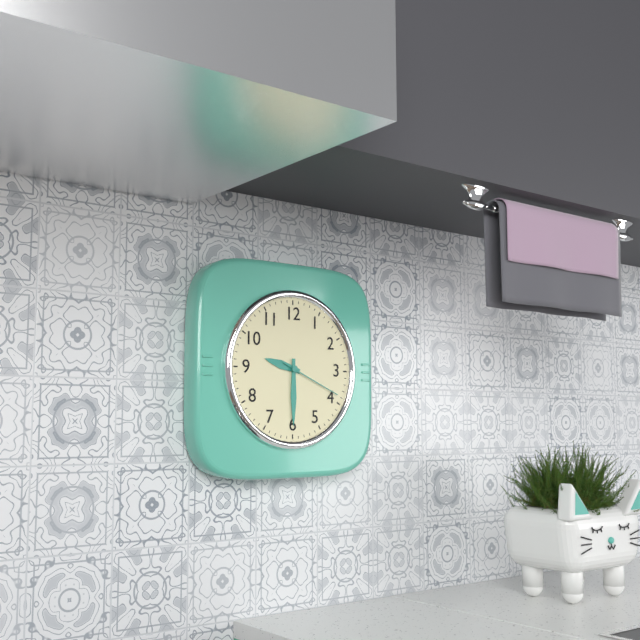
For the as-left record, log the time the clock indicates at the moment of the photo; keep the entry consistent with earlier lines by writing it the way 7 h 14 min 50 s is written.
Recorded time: 9 h 30 min 19 s
